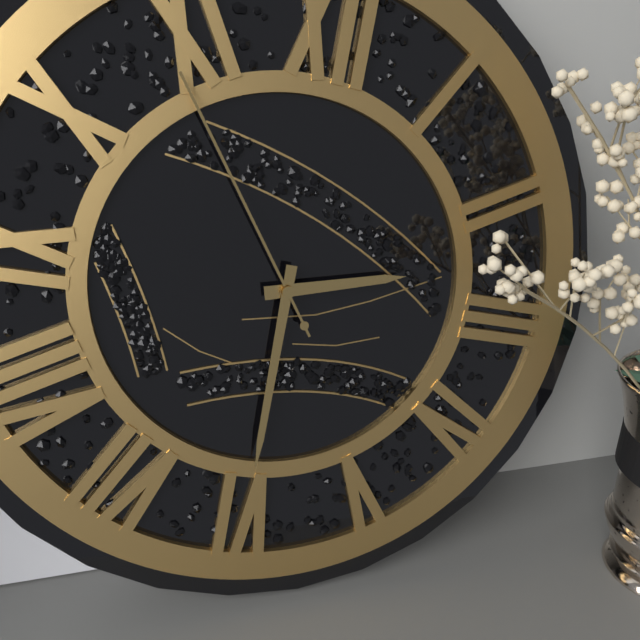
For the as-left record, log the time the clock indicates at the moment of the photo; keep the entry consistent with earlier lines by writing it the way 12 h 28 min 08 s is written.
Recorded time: 2 h 30 min 54 s
